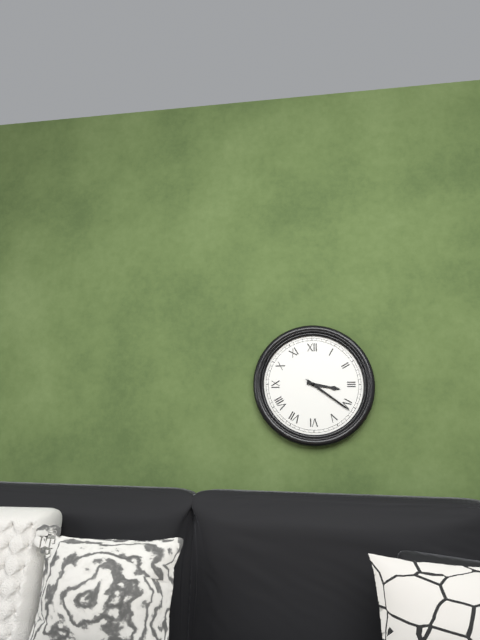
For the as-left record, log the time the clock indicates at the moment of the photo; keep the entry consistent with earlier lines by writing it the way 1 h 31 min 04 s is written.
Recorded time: 3 h 21 min 21 s
